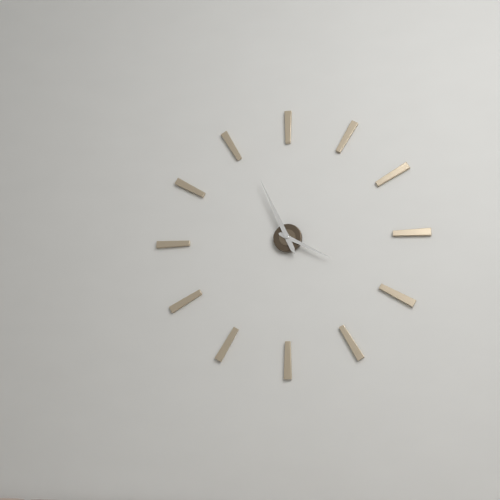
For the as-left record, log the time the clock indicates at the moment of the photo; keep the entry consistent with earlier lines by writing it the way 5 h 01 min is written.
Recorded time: 3 h 56 min
